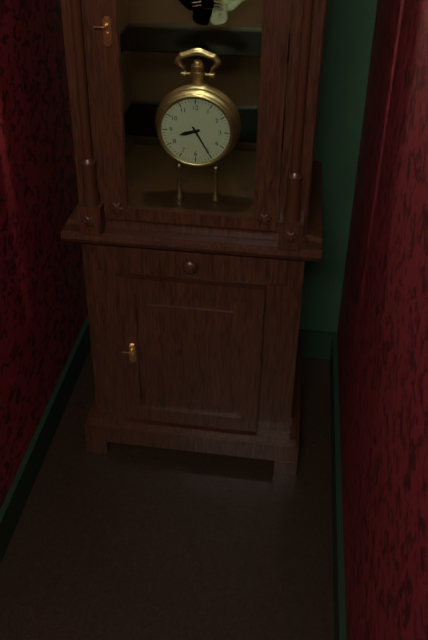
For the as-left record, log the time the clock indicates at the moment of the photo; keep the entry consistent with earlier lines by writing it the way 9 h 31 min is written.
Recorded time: 8 h 25 min
